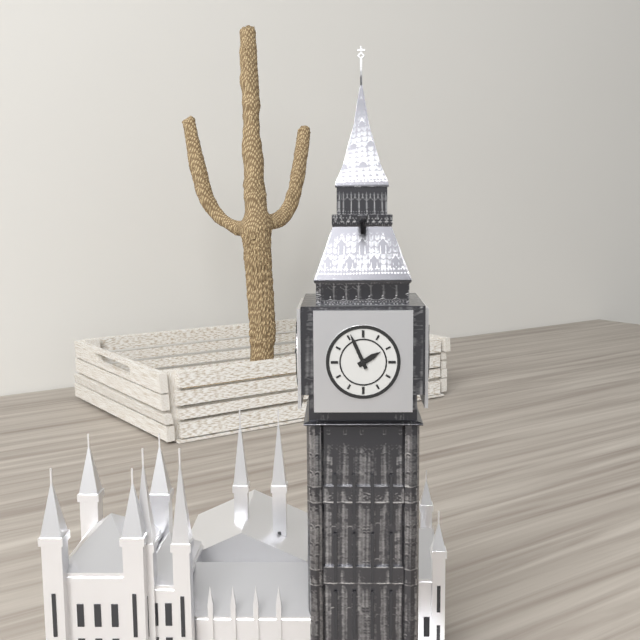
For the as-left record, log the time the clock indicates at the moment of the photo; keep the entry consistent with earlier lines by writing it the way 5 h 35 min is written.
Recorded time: 1 h 56 min
